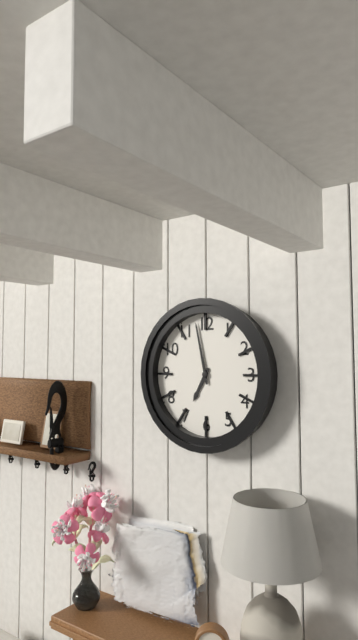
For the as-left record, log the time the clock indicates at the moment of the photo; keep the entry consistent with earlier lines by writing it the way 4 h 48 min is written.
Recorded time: 6 h 58 min
